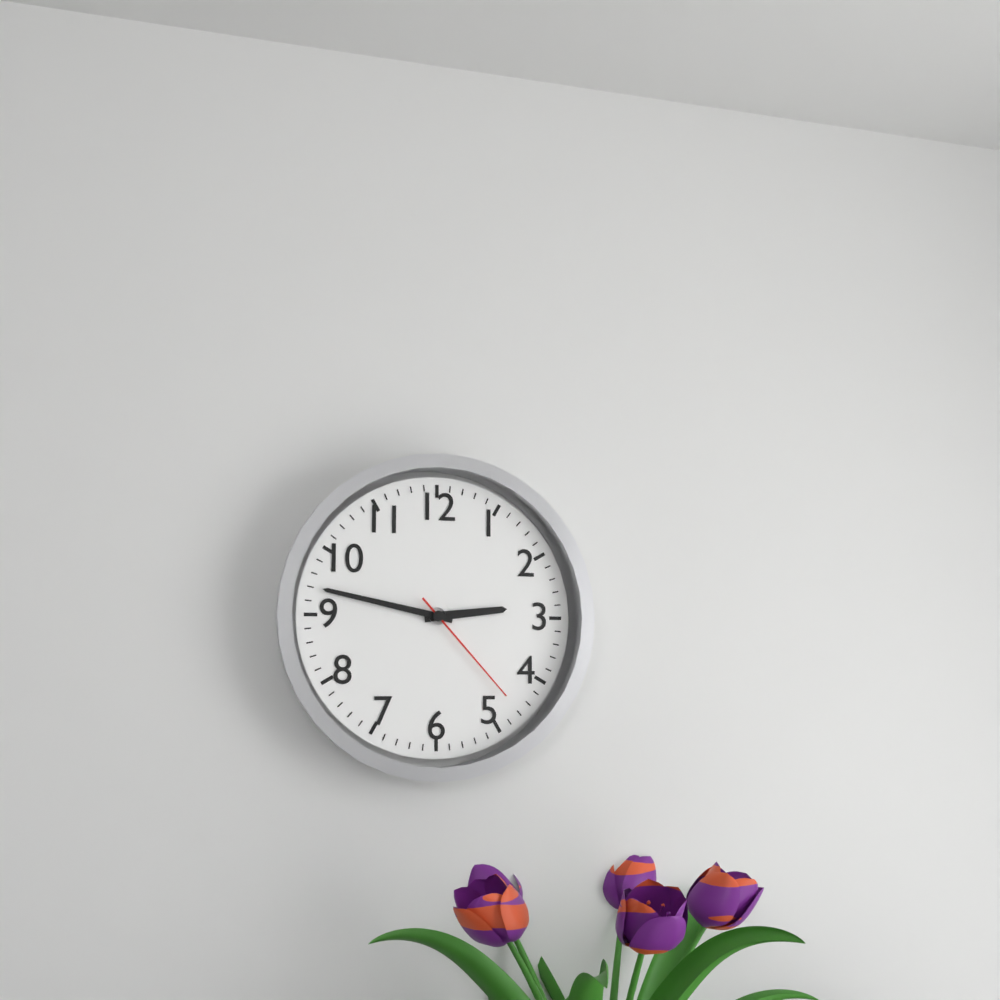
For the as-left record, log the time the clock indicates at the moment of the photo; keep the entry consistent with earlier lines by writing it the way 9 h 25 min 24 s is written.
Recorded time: 2 h 47 min 23 s
